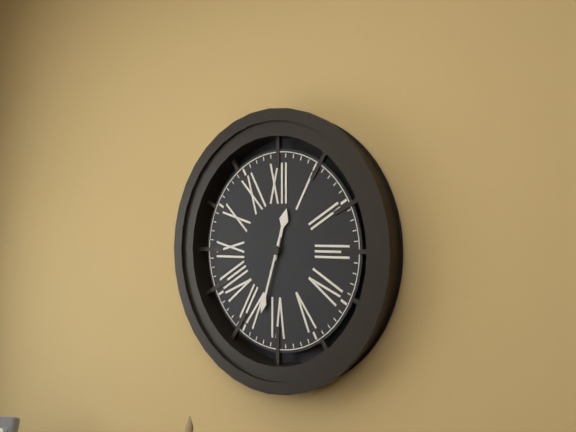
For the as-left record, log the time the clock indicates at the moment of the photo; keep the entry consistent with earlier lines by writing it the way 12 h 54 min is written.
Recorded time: 12 h 33 min
